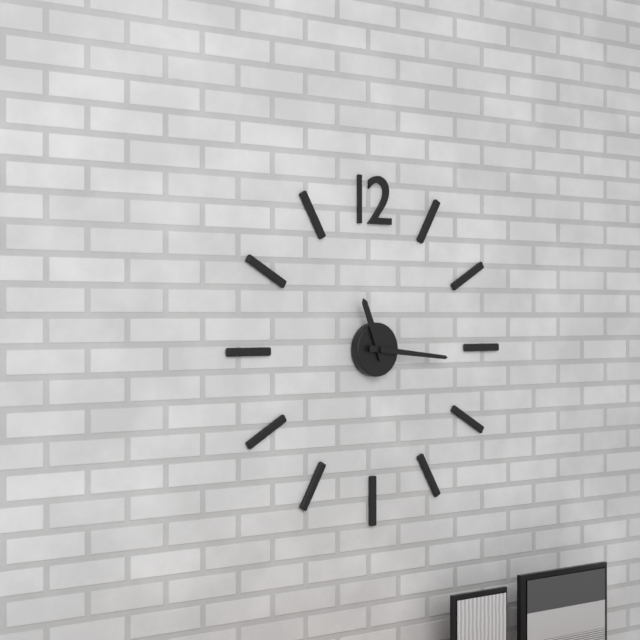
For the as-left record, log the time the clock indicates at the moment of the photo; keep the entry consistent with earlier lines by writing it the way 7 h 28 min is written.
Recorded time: 11 h 16 min
